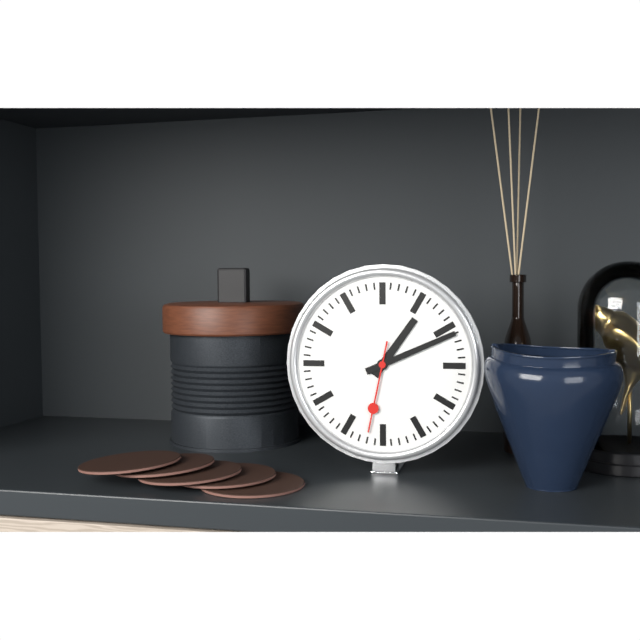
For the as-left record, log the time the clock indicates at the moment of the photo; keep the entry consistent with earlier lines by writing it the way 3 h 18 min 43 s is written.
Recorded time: 1 h 11 min 32 s
